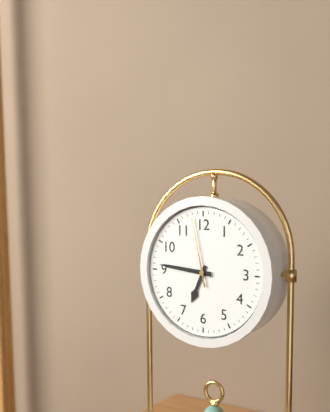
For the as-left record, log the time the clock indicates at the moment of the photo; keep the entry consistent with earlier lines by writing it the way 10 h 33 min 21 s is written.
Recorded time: 6 h 46 min 58 s
